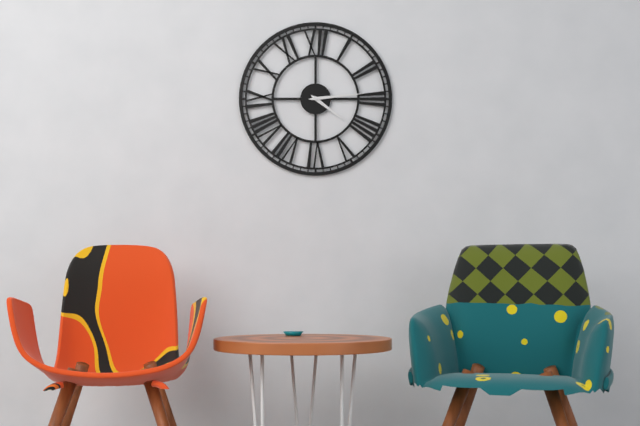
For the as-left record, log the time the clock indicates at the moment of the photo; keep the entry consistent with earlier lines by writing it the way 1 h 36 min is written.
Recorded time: 4 h 14 min
